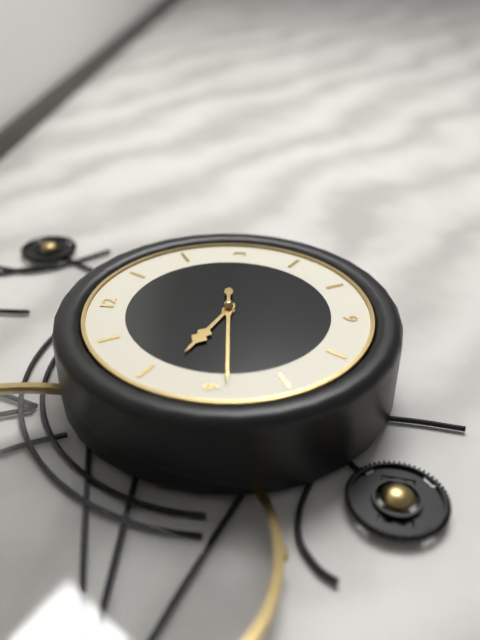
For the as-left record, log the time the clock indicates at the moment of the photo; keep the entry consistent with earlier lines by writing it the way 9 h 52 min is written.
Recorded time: 9 h 44 min
